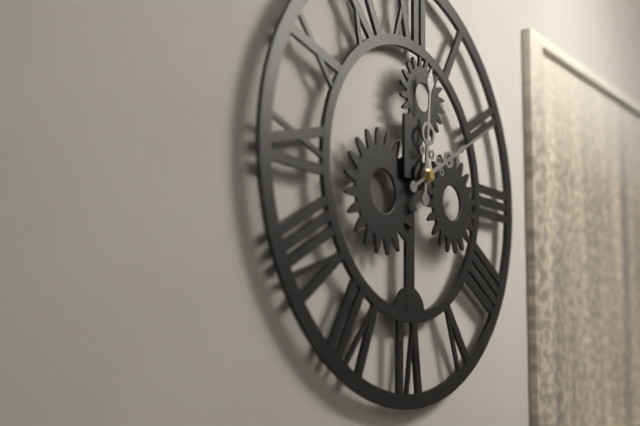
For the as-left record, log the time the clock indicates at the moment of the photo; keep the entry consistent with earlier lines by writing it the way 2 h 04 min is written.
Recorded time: 12 h 10 min
